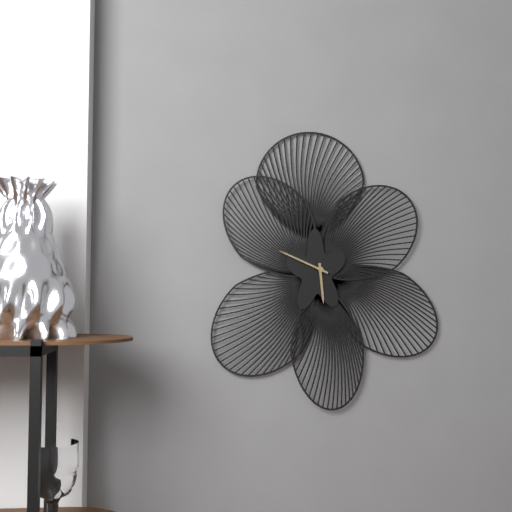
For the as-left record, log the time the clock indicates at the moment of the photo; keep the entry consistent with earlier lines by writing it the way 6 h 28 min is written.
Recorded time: 5 h 49 min
